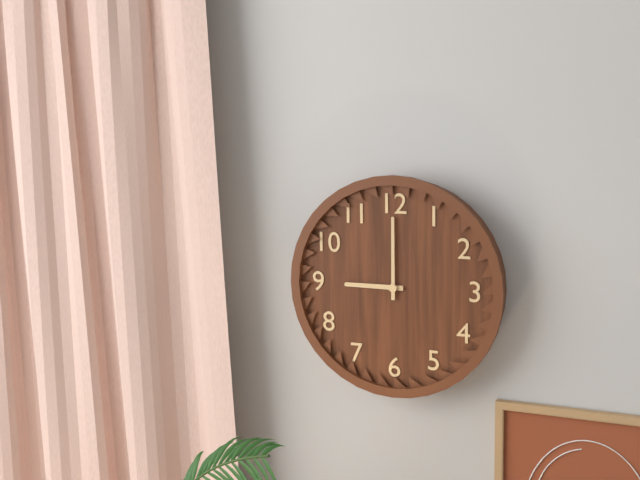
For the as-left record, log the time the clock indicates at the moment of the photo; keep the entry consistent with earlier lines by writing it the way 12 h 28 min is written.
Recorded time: 9 h 00 min
